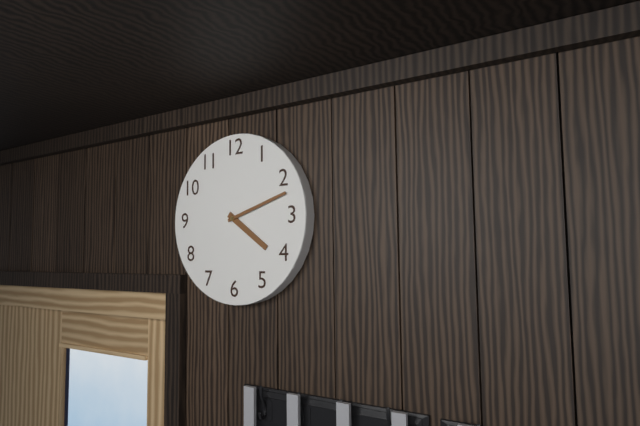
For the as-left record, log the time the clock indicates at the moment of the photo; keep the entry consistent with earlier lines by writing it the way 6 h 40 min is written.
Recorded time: 4 h 12 min
